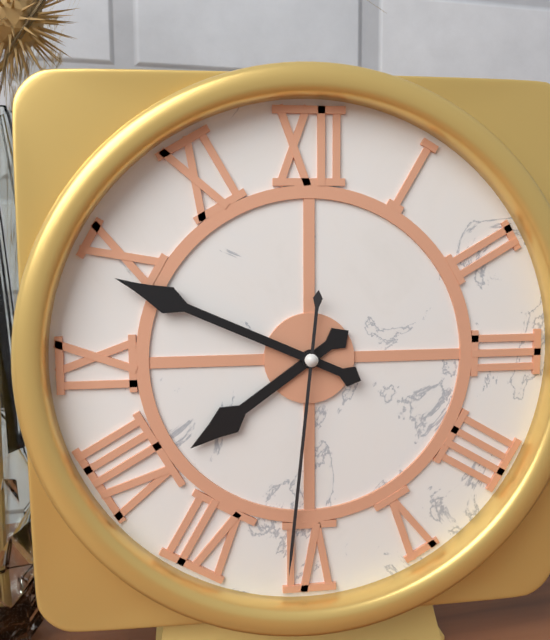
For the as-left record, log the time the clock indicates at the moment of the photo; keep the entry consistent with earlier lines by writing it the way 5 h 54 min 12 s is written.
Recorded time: 7 h 49 min 31 s
